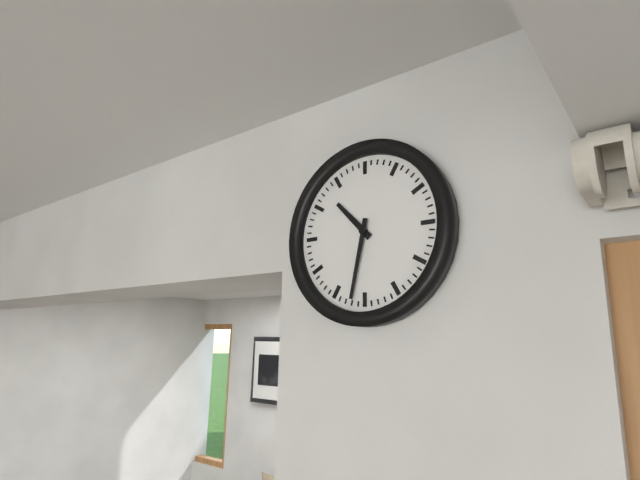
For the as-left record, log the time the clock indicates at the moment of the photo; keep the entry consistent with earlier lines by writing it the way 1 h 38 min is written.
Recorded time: 10 h 32 min
